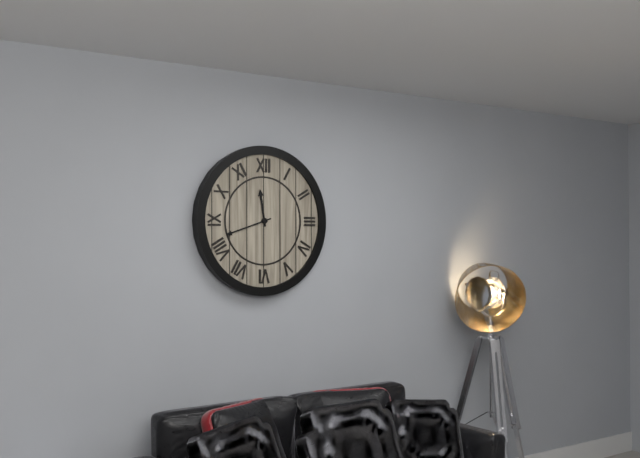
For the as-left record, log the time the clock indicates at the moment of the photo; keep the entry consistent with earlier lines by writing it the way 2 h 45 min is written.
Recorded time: 11 h 42 min
